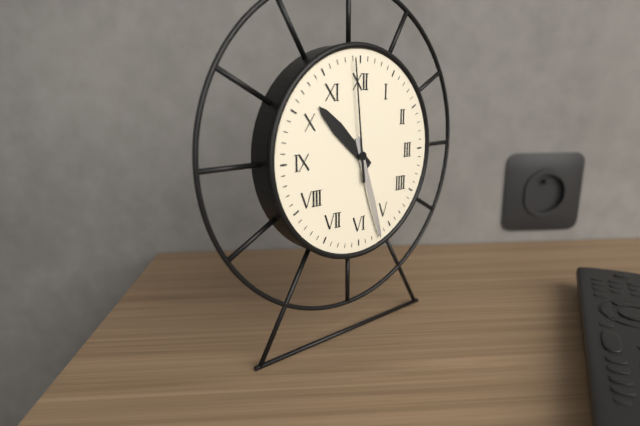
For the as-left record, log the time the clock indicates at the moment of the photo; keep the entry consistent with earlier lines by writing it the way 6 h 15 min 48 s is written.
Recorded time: 10 h 27 min 59 s
